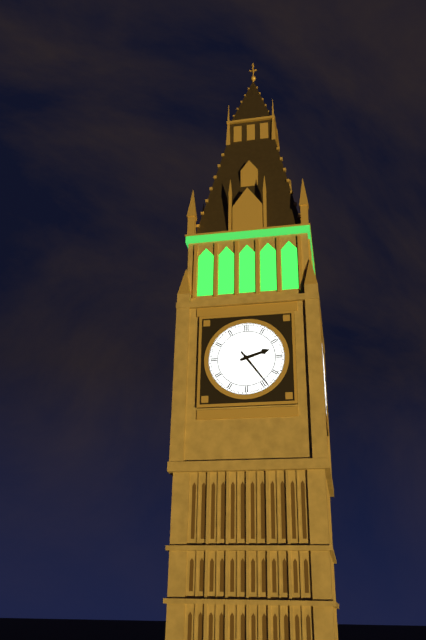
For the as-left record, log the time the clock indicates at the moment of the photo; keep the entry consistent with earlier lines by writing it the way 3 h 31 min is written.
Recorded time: 2 h 24 min
